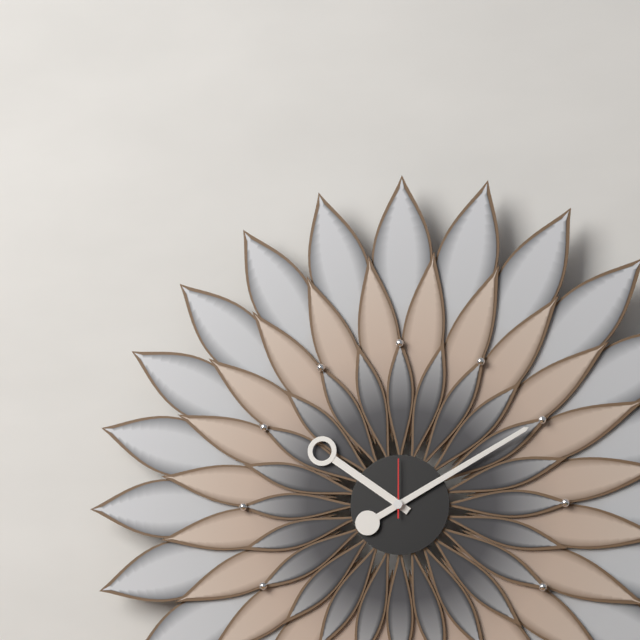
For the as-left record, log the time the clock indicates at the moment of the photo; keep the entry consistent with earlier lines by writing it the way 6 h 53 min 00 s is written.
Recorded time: 10 h 10 min 00 s
